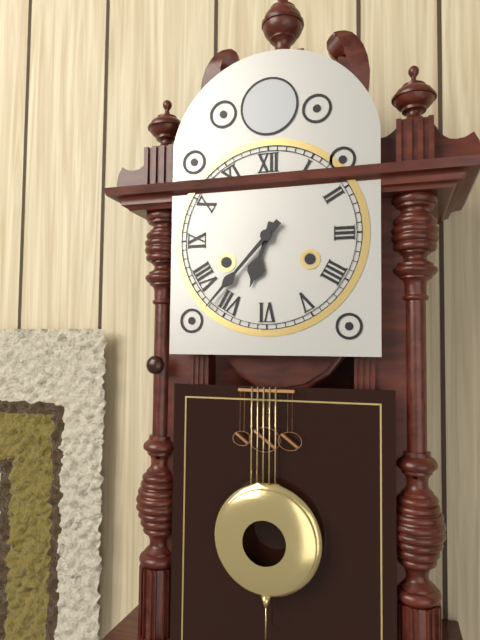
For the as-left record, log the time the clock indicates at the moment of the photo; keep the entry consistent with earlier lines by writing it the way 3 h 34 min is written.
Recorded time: 6 h 37 min
